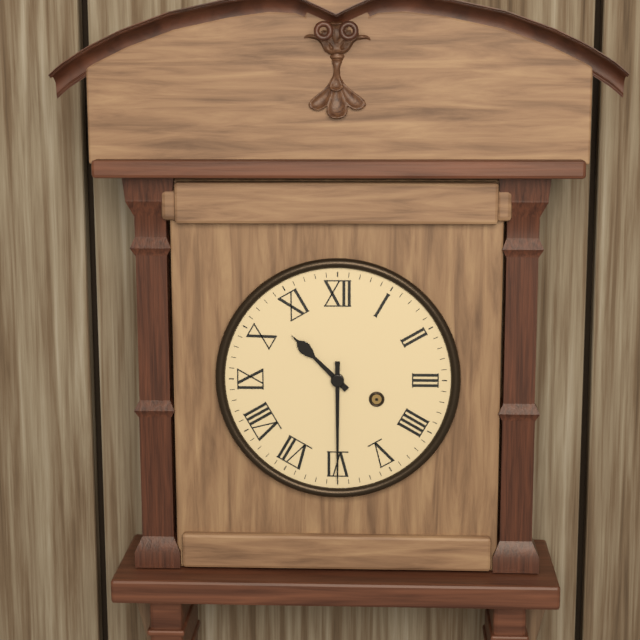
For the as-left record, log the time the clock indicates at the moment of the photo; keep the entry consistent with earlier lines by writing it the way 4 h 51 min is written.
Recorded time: 10 h 30 min
